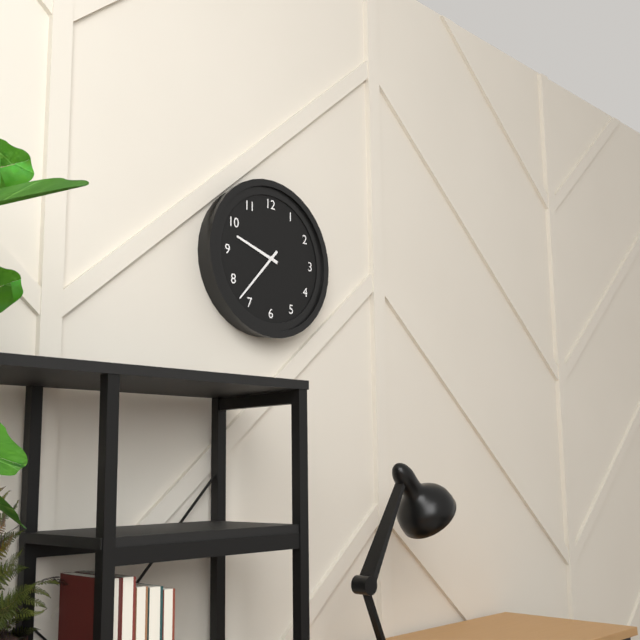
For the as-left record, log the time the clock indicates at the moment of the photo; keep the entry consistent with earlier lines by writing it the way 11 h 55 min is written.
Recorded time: 9 h 37 min
